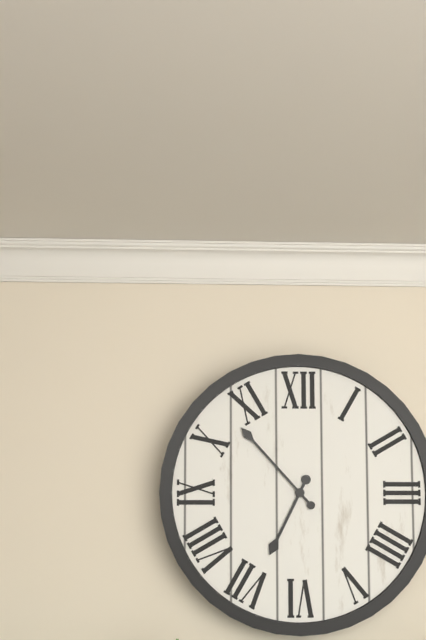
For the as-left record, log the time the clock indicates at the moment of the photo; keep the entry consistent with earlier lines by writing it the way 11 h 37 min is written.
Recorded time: 6 h 53 min
